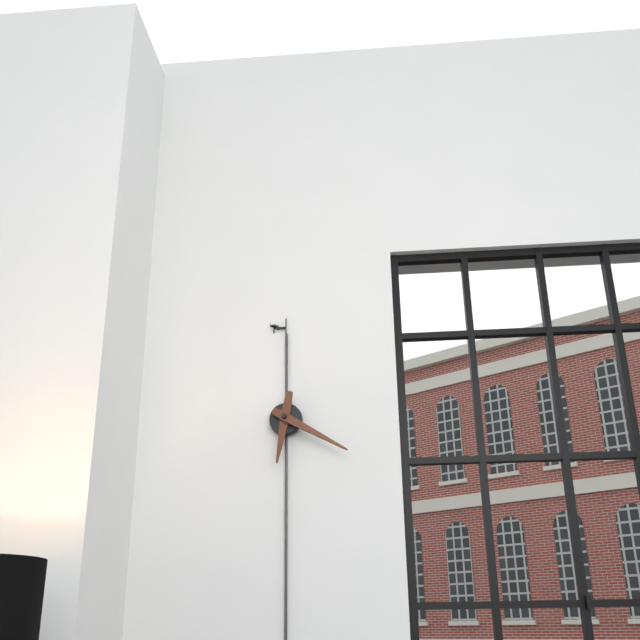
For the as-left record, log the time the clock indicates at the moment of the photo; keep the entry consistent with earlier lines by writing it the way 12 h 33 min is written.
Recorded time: 6 h 20 min
